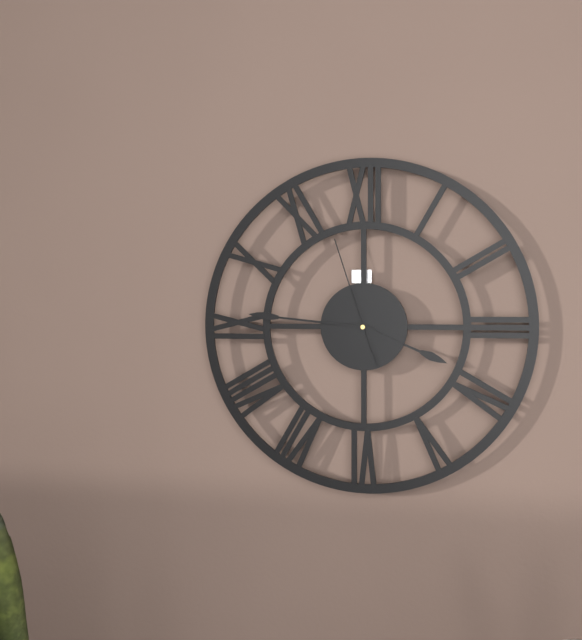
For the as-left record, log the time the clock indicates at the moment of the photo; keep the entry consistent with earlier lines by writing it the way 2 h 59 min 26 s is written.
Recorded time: 3 h 46 min 57 s
